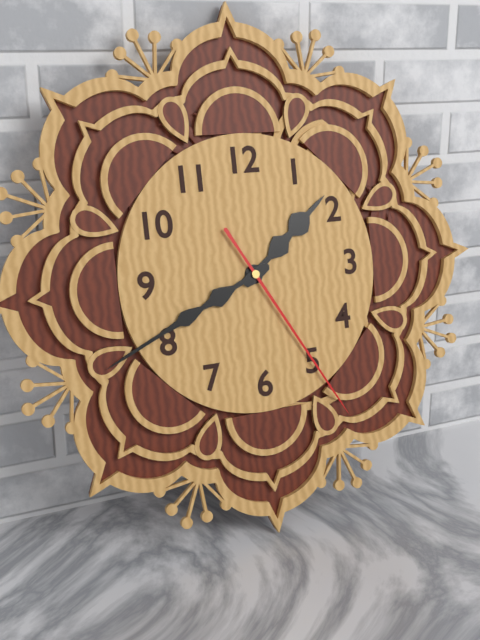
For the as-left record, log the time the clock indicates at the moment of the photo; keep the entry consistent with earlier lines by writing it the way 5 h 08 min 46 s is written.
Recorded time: 1 h 41 min 25 s
